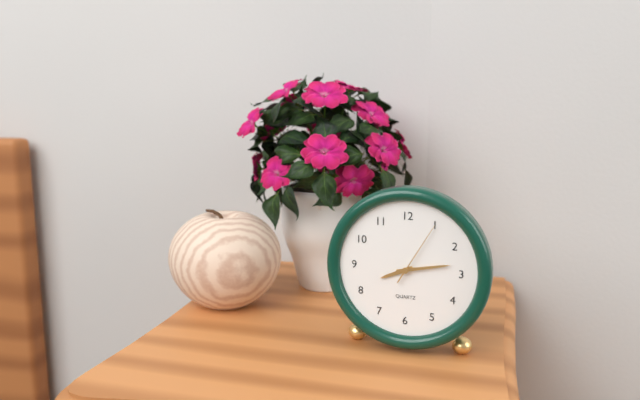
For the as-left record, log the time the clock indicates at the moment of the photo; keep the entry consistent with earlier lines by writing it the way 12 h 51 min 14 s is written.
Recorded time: 8 h 13 min 05 s
